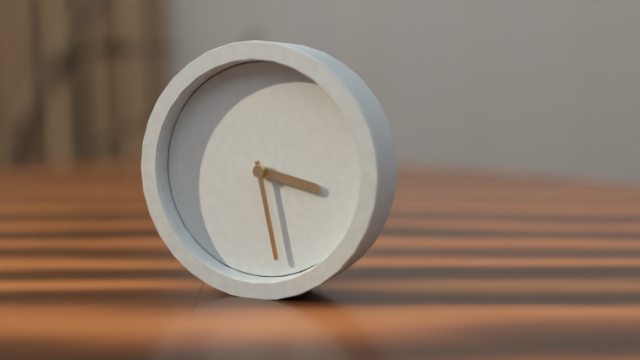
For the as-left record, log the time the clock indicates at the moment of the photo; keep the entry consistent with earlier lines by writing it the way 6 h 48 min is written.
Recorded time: 3 h 28 min
